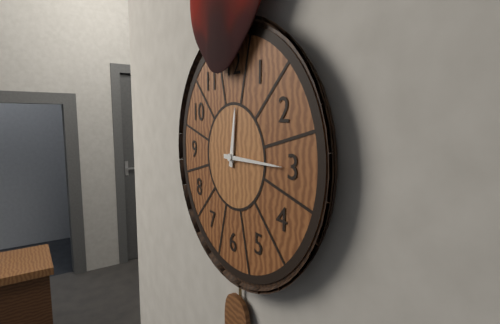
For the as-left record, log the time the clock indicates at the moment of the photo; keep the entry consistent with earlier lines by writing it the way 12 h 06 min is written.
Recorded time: 12 h 15 min
